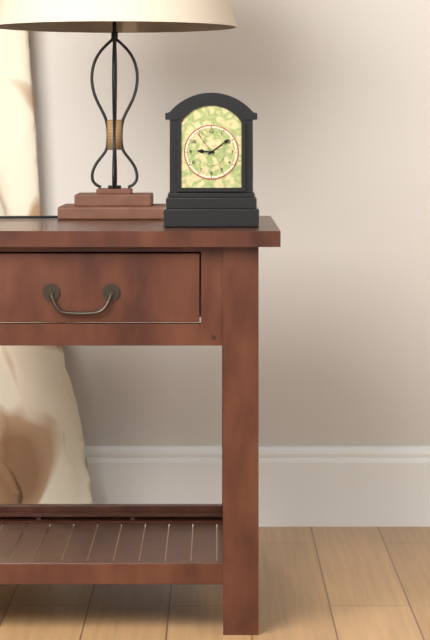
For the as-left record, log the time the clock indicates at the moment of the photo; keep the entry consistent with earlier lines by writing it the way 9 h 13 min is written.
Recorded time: 9 h 09 min
